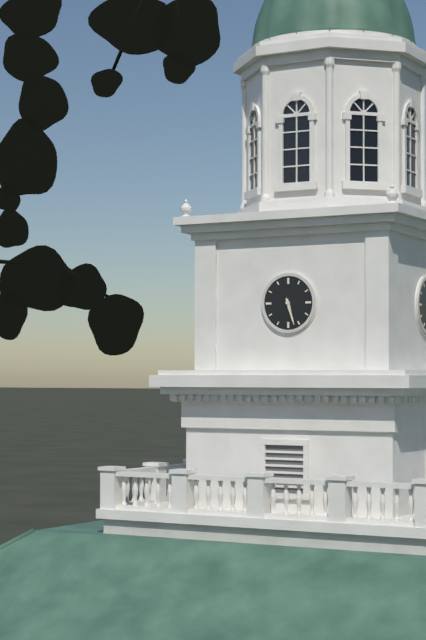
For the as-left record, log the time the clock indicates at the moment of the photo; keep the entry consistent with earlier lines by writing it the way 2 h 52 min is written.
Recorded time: 5 h 27 min
